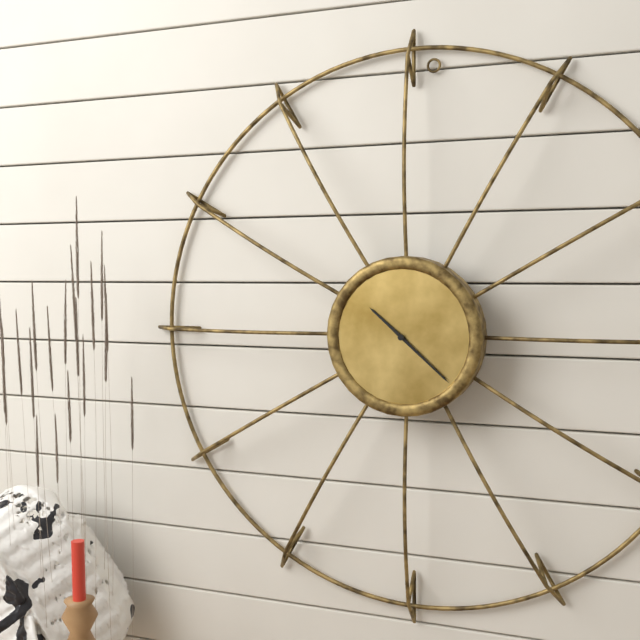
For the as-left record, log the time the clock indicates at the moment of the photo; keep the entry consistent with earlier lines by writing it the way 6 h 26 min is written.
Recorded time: 10 h 22 min
